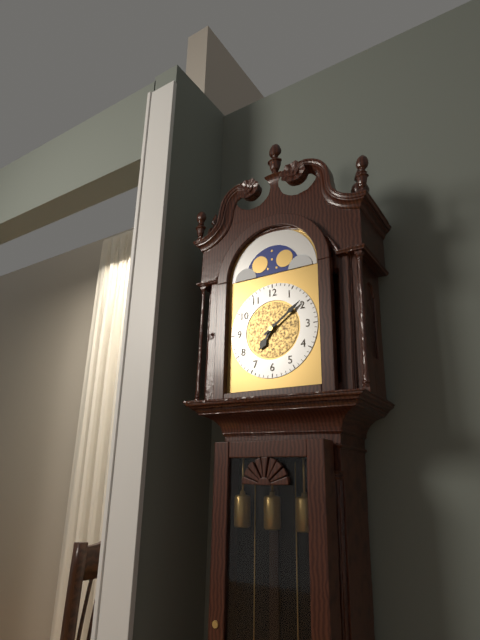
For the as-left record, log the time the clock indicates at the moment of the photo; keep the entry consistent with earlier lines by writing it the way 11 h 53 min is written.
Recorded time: 7 h 09 min
